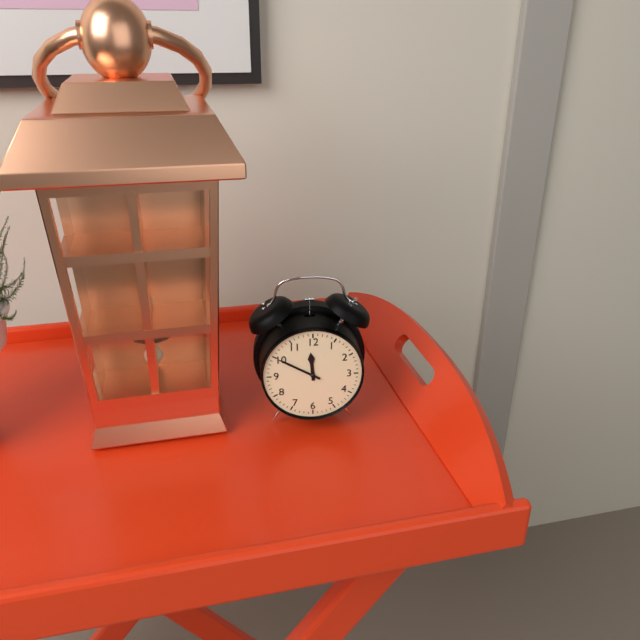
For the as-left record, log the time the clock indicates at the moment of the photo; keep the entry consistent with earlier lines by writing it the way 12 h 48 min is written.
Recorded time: 11 h 50 min
